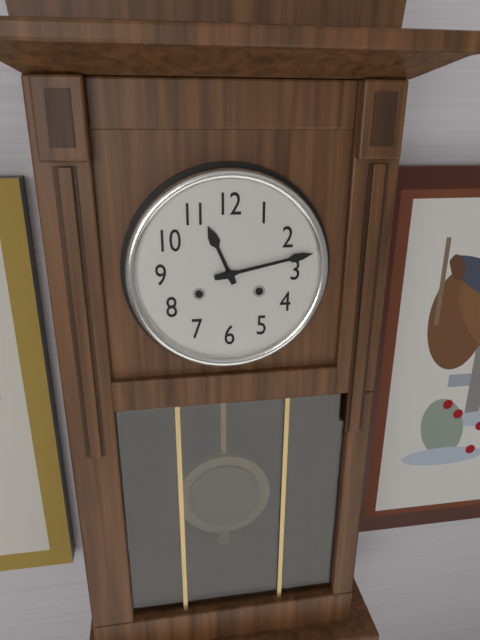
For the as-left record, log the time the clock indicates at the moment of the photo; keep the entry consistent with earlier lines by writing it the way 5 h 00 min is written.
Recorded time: 11 h 13 min
